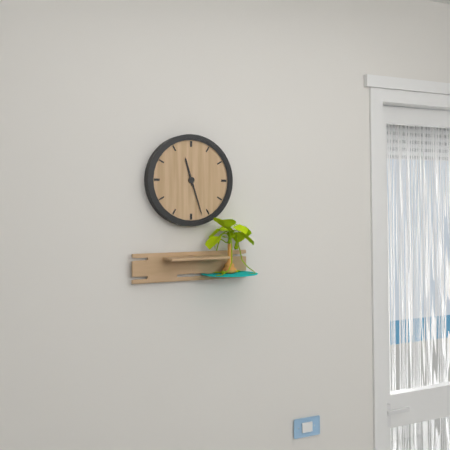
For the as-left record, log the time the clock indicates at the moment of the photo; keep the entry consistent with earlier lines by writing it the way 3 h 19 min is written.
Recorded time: 11 h 27 min
